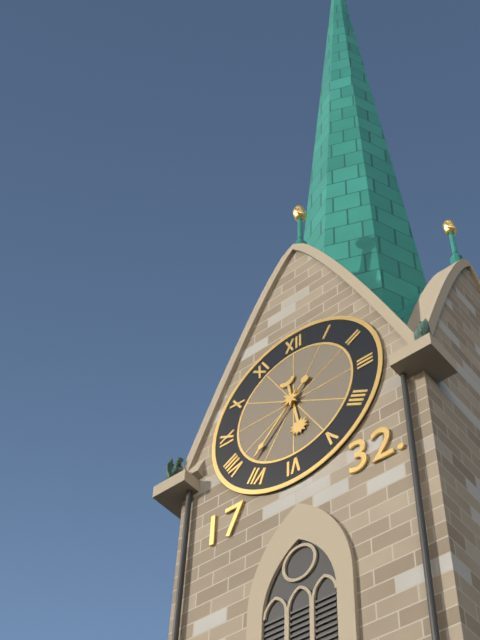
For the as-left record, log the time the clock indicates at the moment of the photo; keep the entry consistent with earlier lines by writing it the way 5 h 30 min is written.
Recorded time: 5 h 37 min
